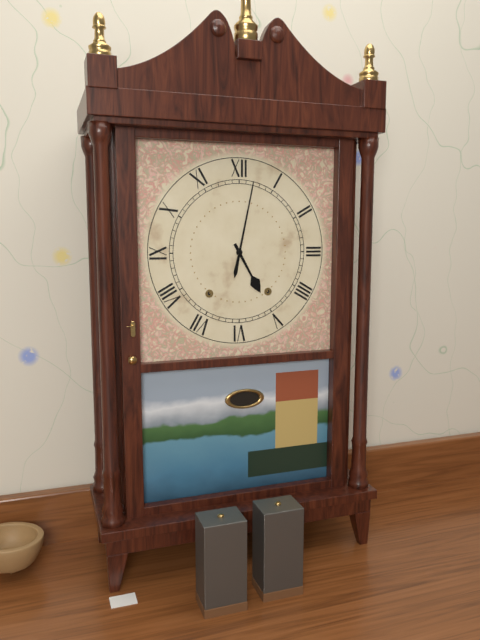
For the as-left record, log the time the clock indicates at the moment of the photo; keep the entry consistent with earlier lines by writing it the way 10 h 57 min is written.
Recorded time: 5 h 02 min
